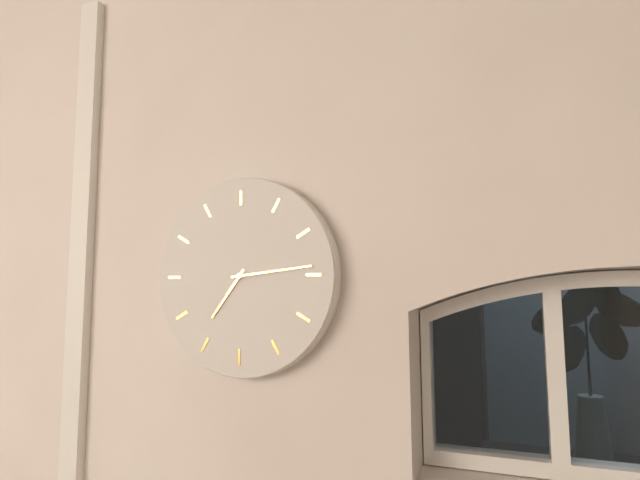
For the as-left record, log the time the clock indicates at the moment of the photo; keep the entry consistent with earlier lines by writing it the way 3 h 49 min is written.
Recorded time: 7 h 14 min
